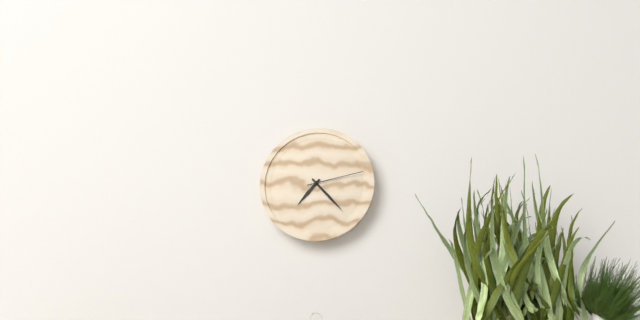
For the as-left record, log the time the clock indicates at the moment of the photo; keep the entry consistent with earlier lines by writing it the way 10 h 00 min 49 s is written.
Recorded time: 7 h 23 min 13 s
